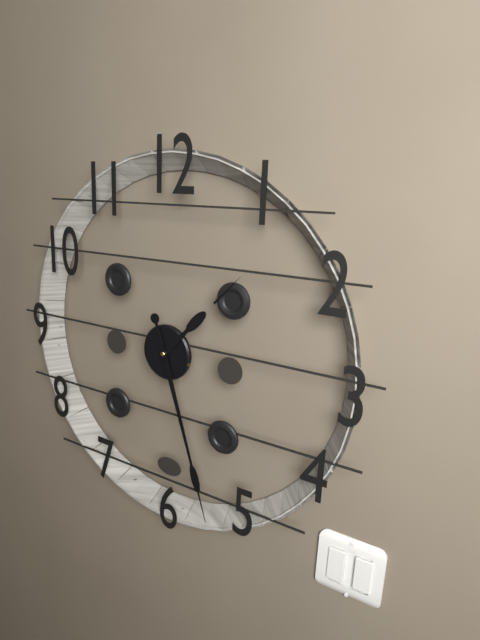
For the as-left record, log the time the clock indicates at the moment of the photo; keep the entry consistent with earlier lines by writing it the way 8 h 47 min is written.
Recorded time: 1 h 27 min
